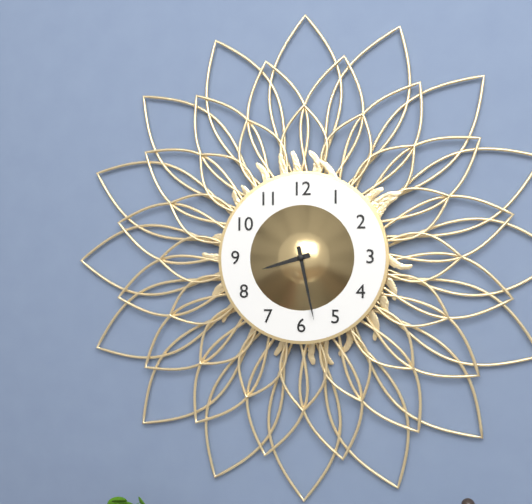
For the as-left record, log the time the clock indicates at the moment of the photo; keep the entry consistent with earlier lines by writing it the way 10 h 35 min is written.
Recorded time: 8 h 28 min
